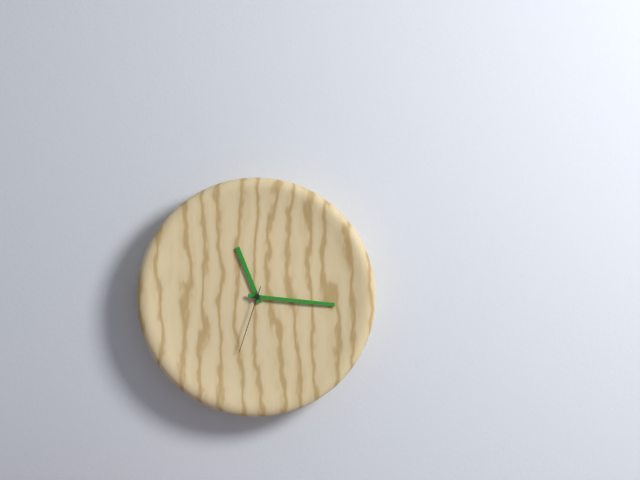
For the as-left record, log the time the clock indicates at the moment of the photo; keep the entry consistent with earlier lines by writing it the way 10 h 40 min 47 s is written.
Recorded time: 11 h 16 min 33 s
